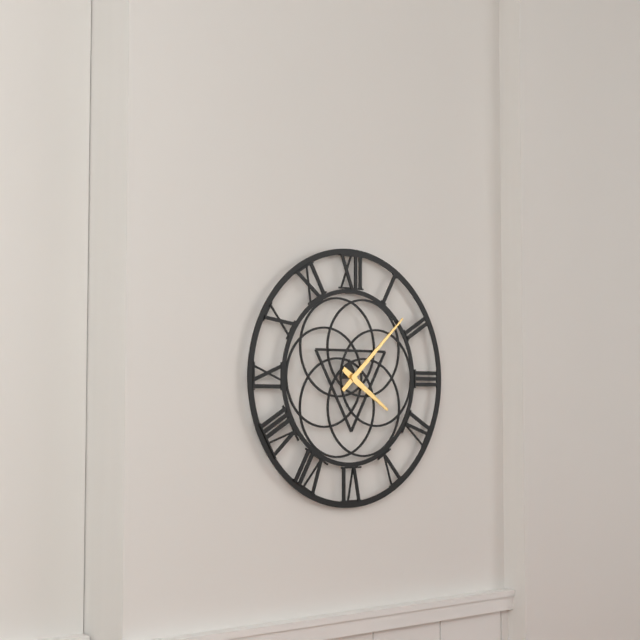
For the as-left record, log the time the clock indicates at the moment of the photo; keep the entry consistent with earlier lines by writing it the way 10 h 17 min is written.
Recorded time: 4 h 08 min
